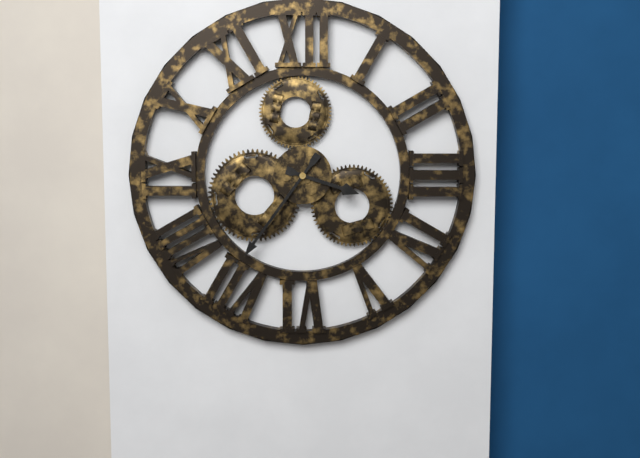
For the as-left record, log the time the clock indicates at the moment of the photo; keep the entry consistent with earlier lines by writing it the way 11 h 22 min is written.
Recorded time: 3 h 36 min
